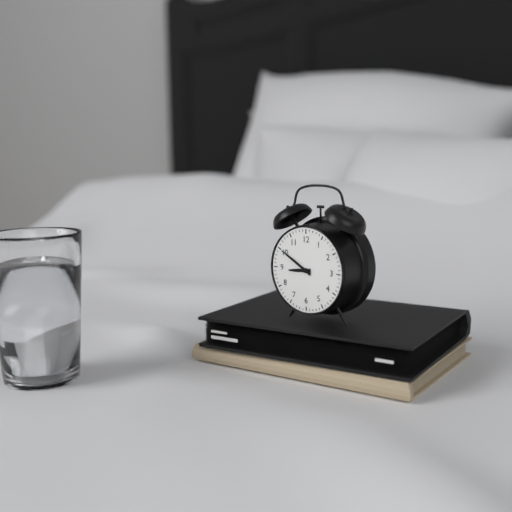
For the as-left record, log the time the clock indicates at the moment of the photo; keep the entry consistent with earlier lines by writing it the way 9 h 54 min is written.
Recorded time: 8 h 50 min
